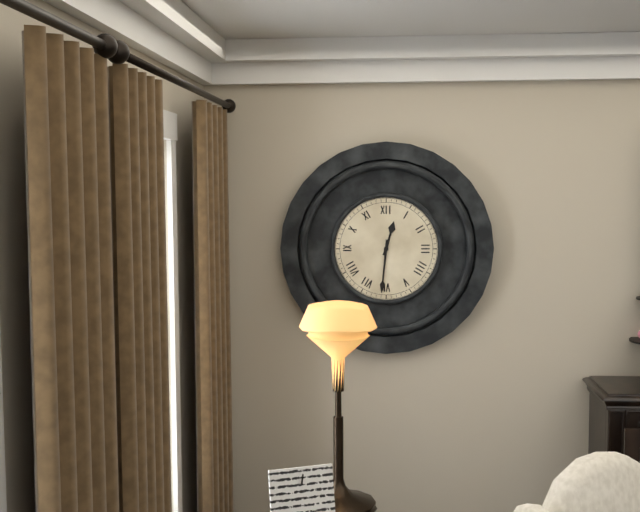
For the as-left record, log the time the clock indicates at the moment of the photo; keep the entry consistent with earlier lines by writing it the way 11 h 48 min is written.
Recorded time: 12 h 31 min
